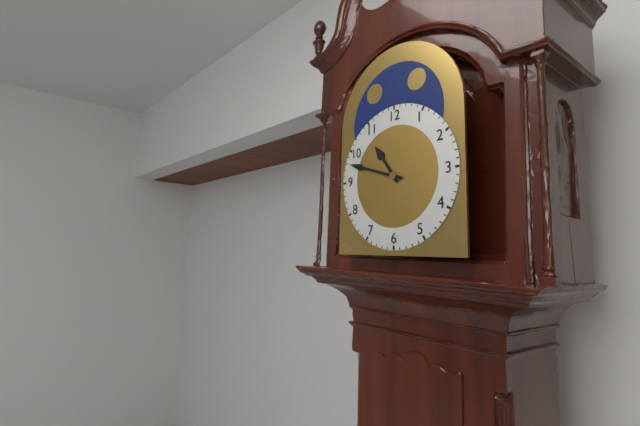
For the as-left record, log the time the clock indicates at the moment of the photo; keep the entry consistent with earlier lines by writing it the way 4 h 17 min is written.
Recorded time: 10 h 48 min
